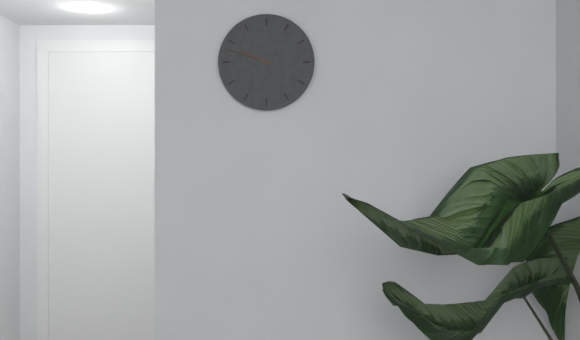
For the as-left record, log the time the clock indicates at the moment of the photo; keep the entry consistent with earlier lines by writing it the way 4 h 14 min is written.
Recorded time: 9 h 48 min
